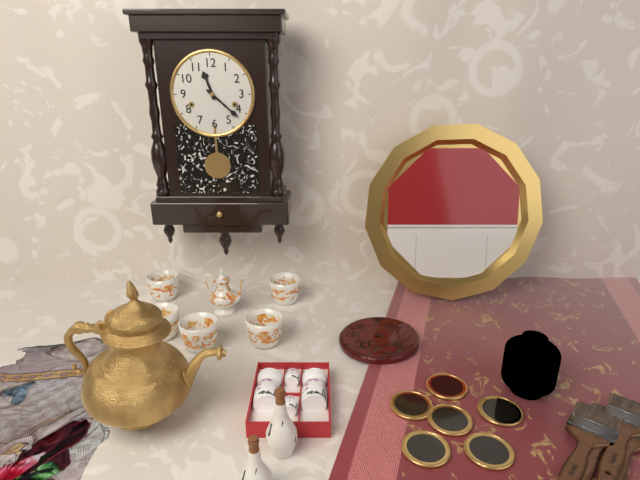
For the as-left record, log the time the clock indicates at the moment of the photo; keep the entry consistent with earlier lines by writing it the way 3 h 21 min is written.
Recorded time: 11 h 22 min
